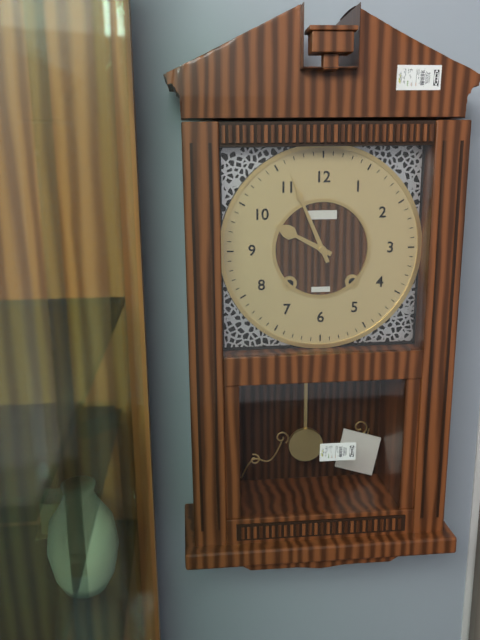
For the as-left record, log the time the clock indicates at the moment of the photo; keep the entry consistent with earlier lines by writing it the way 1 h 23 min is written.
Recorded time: 9 h 56 min
